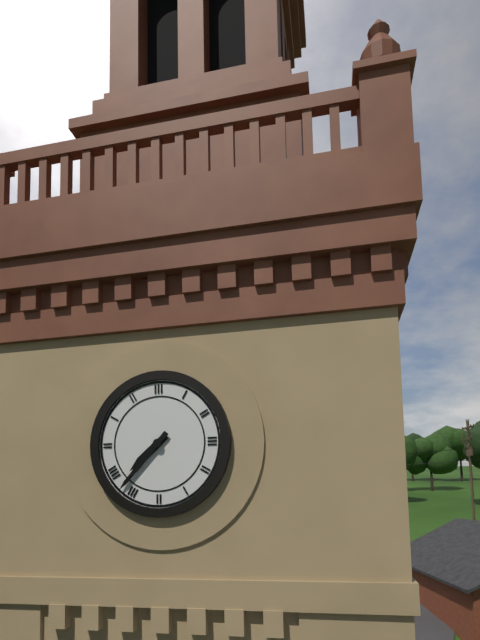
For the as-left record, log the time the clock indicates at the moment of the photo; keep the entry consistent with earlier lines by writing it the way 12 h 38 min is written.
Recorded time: 7 h 37 min
